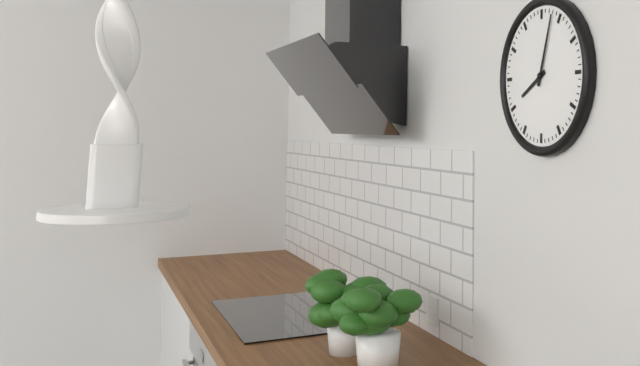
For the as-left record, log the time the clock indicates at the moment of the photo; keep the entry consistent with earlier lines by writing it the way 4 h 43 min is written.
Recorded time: 8 h 03 min
